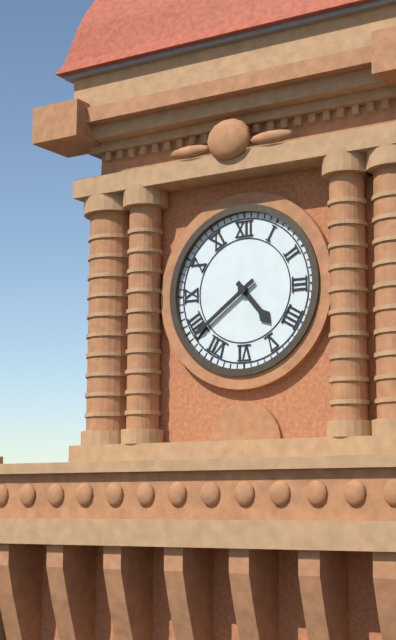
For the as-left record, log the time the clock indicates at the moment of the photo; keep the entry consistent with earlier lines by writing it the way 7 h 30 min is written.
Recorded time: 4 h 39 min
